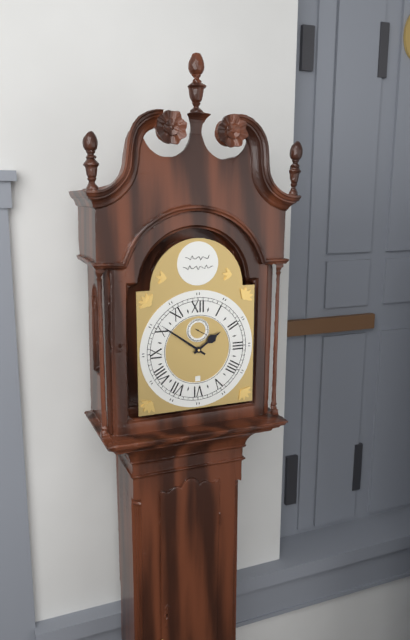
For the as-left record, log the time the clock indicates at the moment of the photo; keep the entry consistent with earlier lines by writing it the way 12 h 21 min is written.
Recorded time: 1 h 51 min
